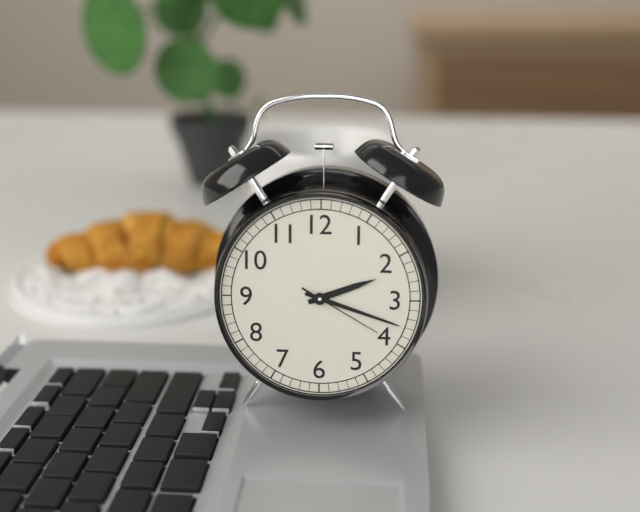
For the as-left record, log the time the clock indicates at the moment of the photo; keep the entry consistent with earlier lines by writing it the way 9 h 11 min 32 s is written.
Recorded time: 2 h 18 min 20 s
